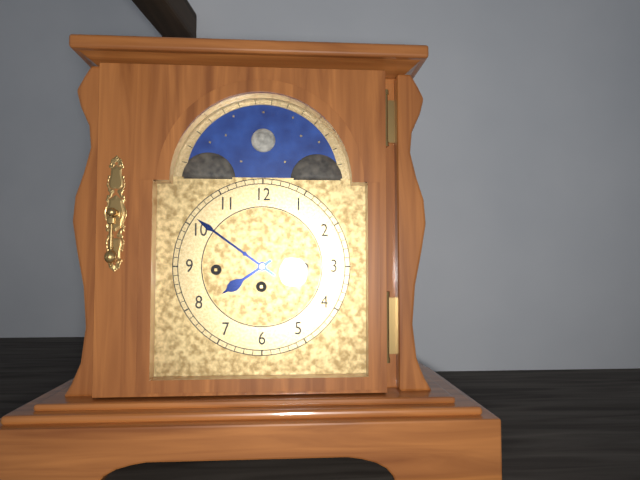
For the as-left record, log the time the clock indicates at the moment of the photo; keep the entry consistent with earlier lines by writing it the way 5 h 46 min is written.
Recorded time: 7 h 51 min
